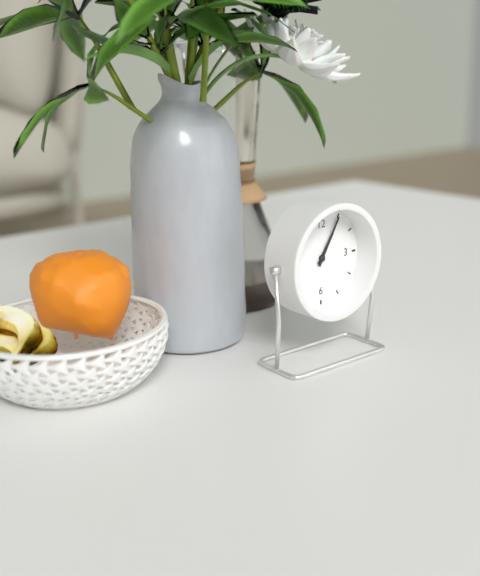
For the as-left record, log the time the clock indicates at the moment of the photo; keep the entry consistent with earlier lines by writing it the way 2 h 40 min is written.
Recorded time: 1 h 05 min
